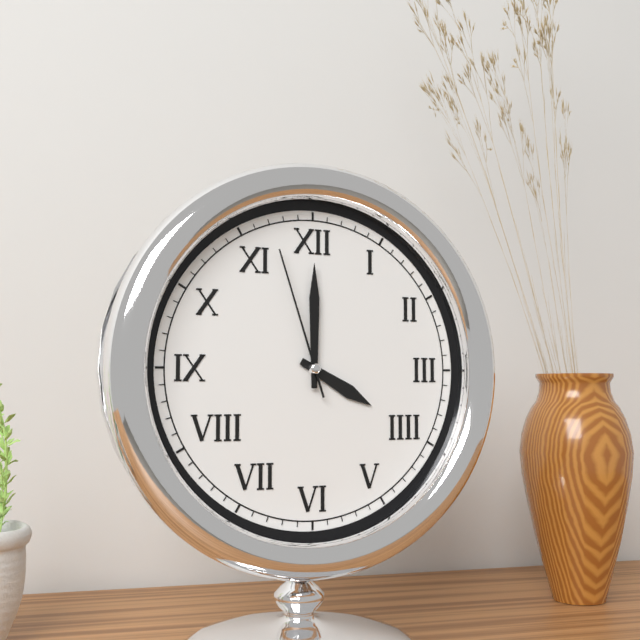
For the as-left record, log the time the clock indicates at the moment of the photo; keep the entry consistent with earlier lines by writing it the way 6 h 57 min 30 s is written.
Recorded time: 4 h 00 min 57 s
